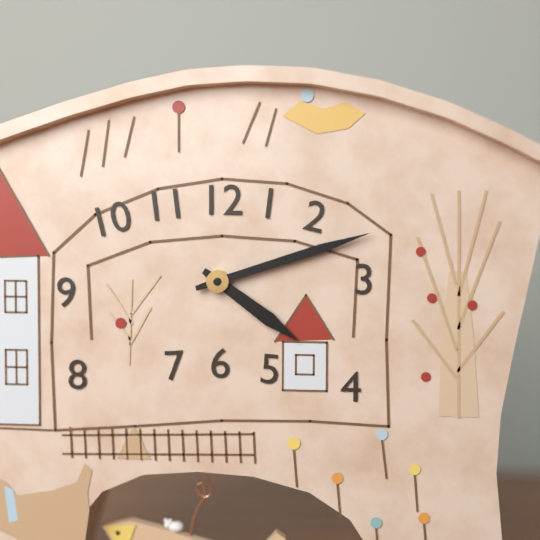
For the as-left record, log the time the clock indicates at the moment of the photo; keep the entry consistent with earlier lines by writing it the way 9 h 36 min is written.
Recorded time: 4 h 12 min
